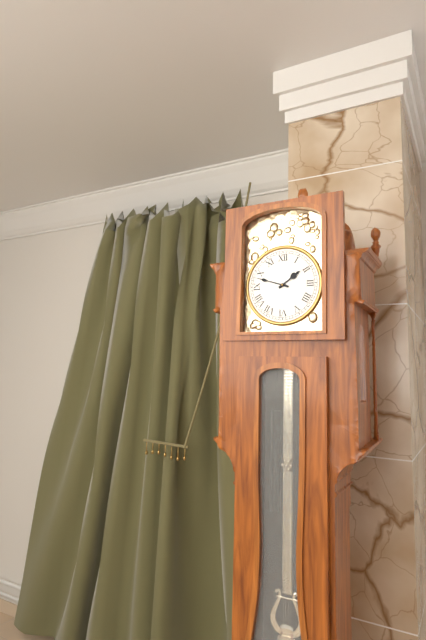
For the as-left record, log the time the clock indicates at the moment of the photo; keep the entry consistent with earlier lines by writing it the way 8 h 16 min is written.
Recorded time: 1 h 48 min
